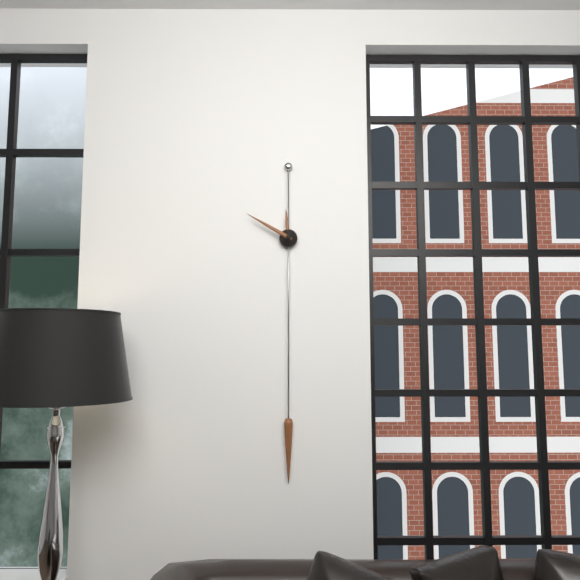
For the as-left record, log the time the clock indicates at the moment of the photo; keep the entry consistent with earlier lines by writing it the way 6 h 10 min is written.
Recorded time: 11 h 50 min
